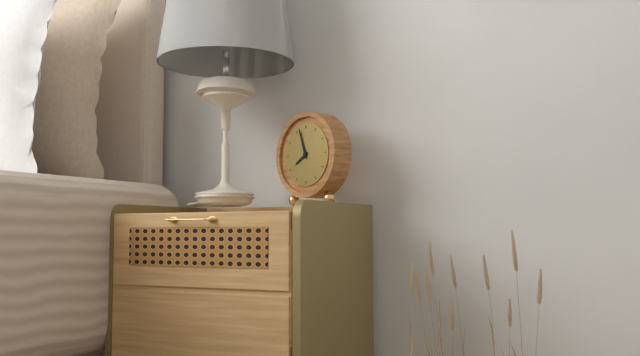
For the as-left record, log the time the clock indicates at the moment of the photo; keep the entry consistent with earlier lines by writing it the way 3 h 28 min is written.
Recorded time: 7 h 57 min
